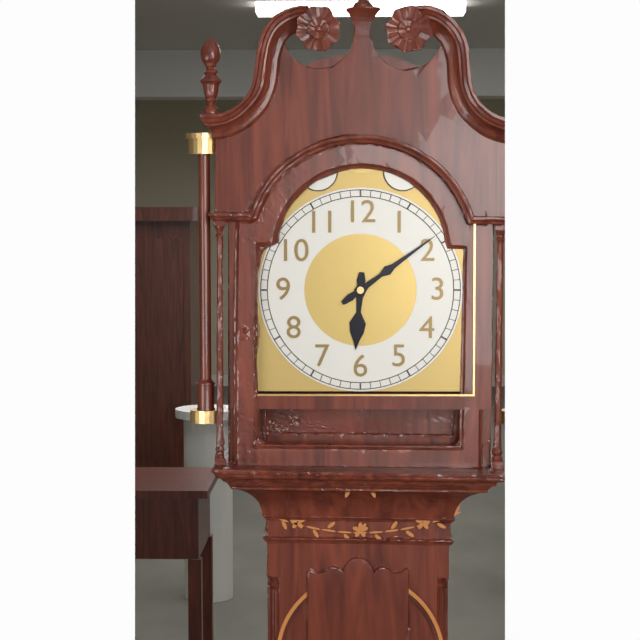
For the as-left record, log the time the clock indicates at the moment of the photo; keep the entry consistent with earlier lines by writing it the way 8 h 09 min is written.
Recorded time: 6 h 09 min
